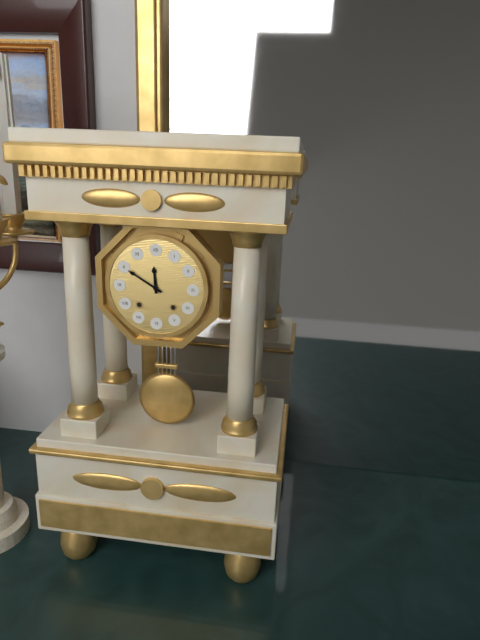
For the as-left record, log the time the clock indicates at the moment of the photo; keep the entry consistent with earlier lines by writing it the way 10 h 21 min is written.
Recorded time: 11 h 50 min
